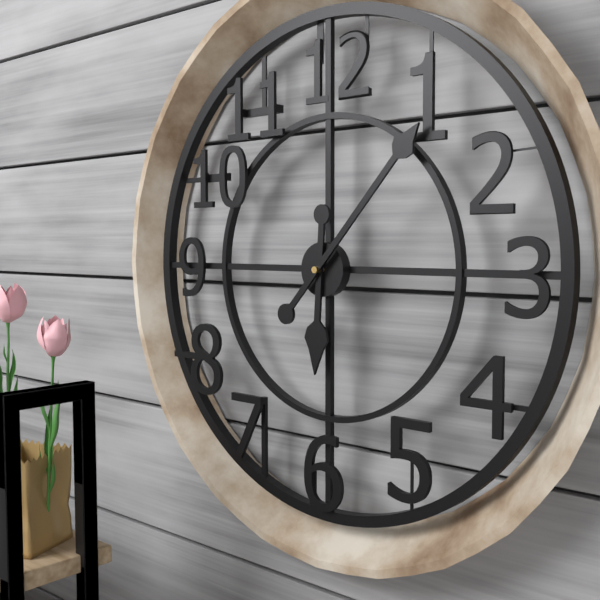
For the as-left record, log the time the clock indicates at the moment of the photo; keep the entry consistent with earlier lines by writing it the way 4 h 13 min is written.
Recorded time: 6 h 07 min
